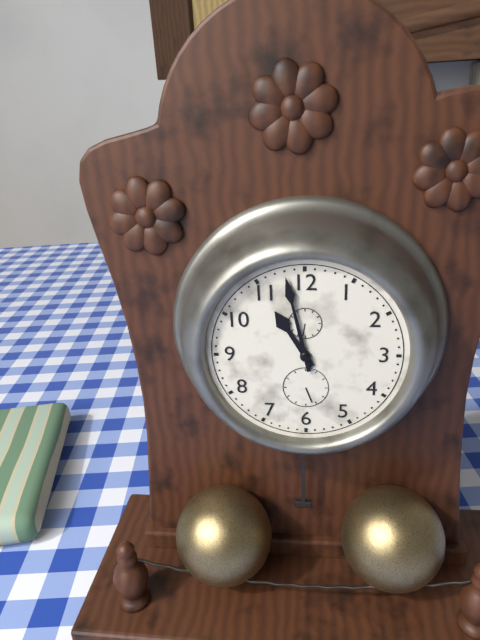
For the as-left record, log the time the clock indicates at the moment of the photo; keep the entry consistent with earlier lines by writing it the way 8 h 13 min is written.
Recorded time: 10 h 58 min
